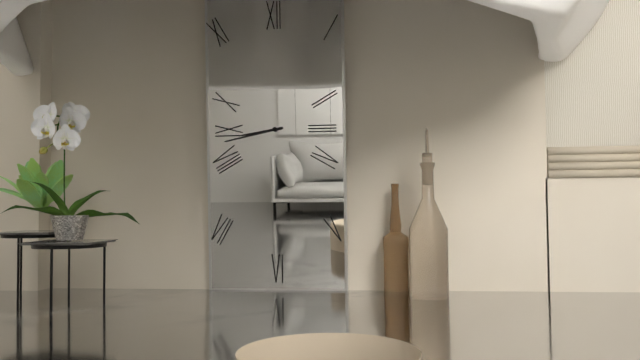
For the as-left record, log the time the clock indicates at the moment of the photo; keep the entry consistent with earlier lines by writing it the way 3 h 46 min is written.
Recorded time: 8 h 43 min
